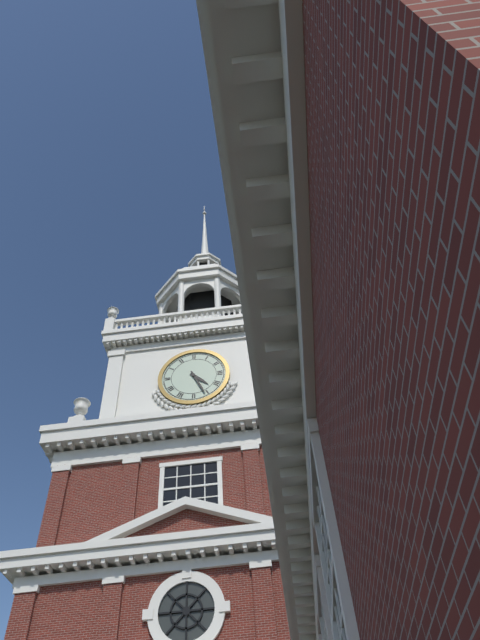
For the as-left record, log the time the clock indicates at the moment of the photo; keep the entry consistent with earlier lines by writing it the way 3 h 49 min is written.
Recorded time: 4 h 26 min
